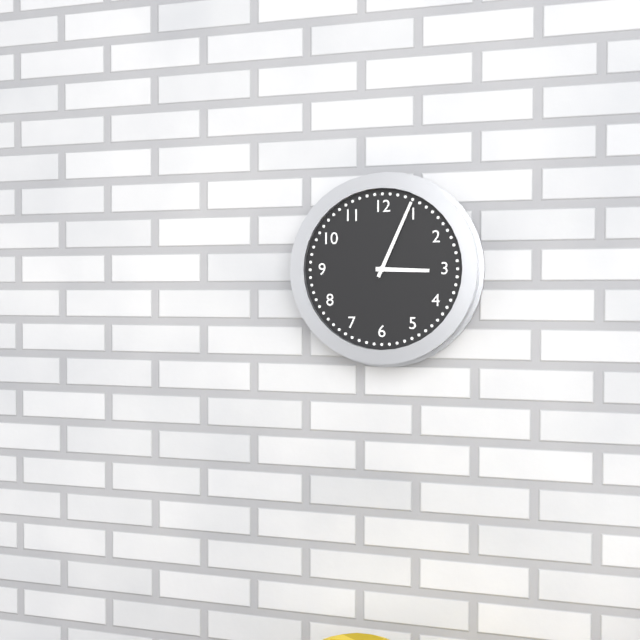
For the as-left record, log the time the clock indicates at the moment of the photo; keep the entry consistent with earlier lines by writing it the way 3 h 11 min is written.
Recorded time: 3 h 04 min
